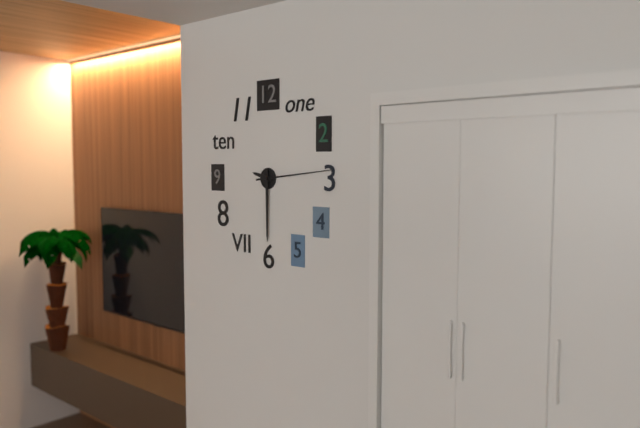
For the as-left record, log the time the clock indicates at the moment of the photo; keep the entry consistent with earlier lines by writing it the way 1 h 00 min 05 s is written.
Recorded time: 9 h 30 min 14 s
